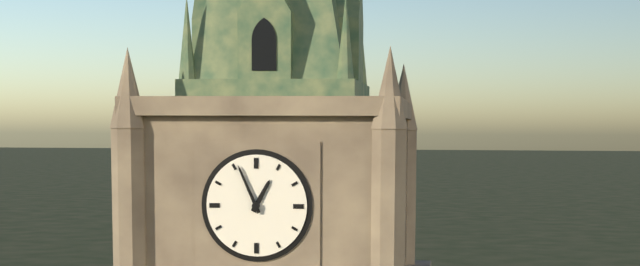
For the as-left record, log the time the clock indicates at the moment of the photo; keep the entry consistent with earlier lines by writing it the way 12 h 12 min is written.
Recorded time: 12 h 56 min
